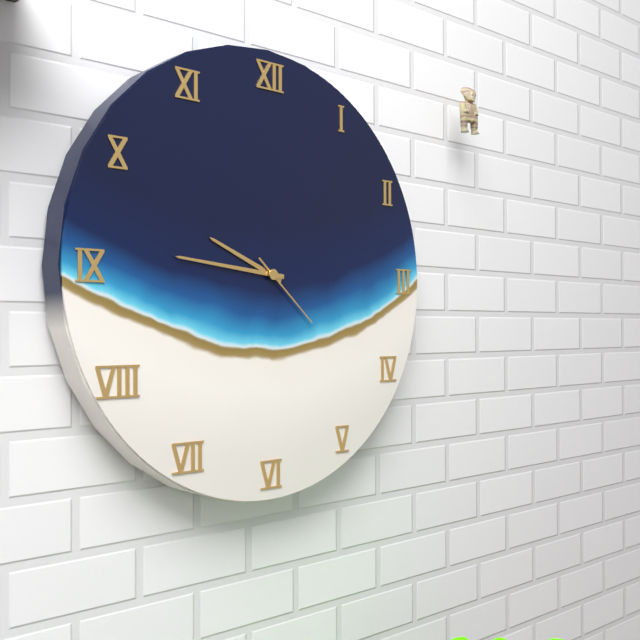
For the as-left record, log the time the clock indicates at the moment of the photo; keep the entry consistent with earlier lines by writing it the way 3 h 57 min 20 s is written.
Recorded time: 9 h 46 min 22 s
